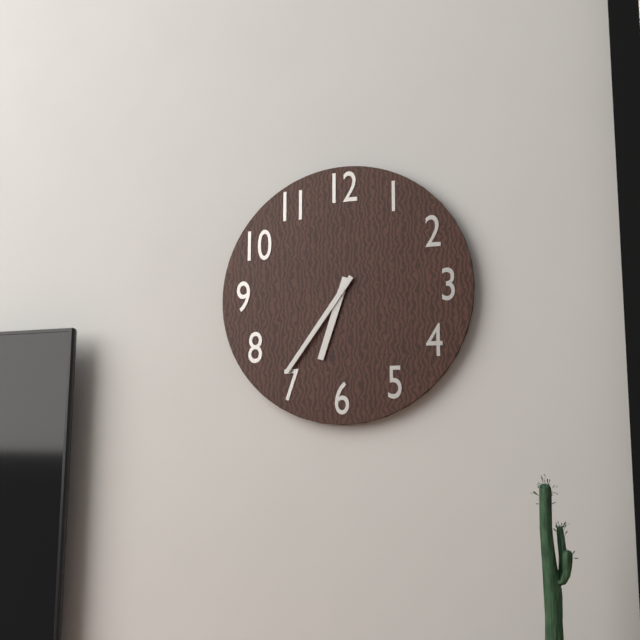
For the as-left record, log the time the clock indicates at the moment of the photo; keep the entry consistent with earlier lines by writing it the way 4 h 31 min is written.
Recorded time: 6 h 36 min
